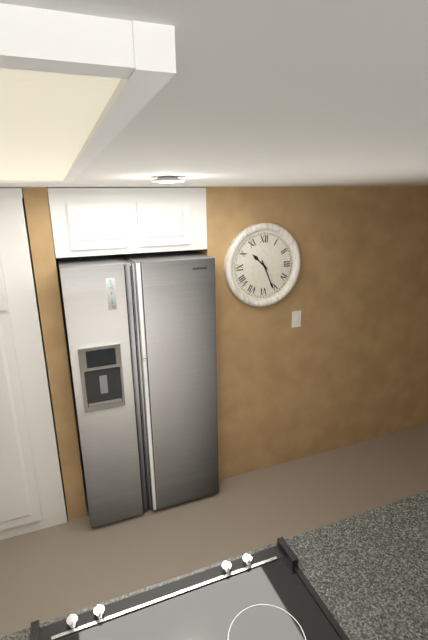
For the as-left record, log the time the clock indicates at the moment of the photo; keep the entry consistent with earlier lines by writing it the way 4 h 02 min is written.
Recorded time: 10 h 26 min
